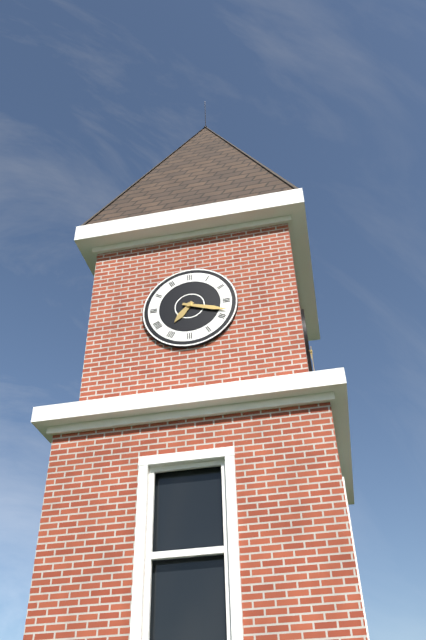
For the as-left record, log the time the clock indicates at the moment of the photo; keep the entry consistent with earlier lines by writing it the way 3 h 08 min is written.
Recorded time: 7 h 18 min
